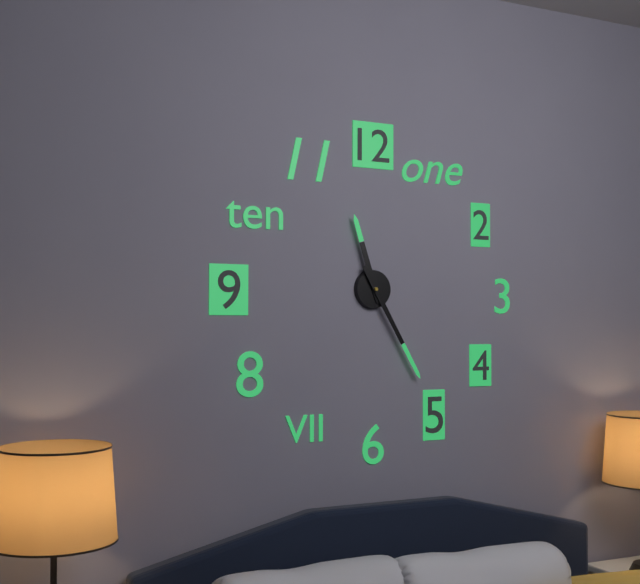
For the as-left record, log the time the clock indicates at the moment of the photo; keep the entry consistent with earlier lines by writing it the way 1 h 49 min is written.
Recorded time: 11 h 25 min
